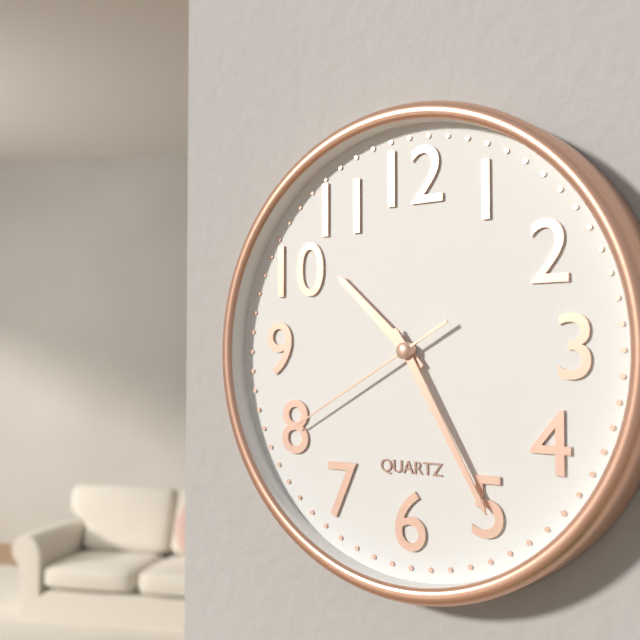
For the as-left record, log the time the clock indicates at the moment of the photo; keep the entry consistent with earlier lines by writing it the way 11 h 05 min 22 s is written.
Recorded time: 10 h 25 min 40 s
